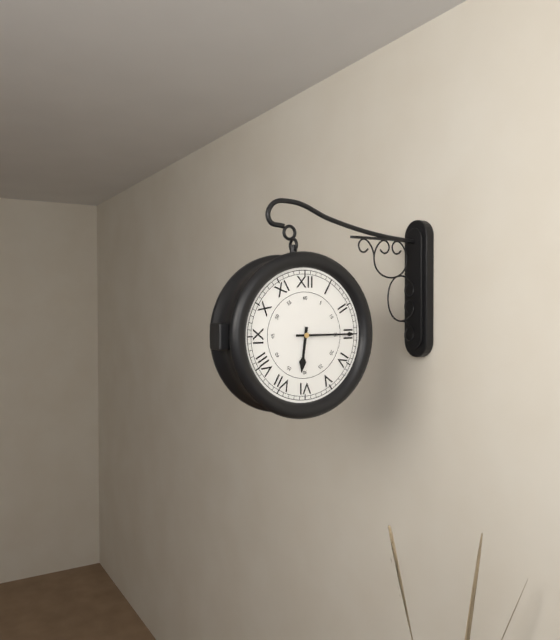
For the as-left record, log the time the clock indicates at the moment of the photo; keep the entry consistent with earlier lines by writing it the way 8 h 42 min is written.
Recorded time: 6 h 15 min
